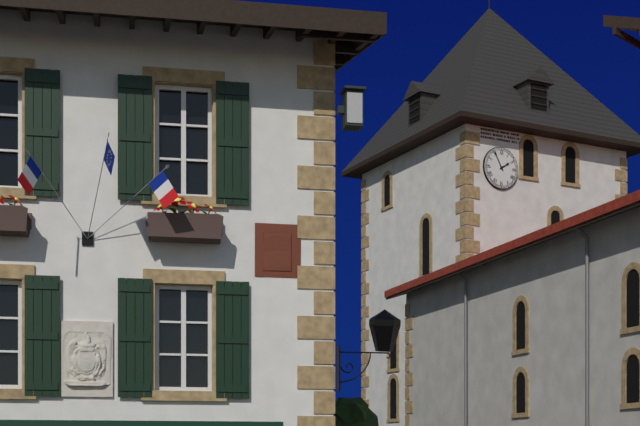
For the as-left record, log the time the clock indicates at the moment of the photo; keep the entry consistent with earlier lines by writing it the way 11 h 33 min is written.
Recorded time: 1 h 55 min
